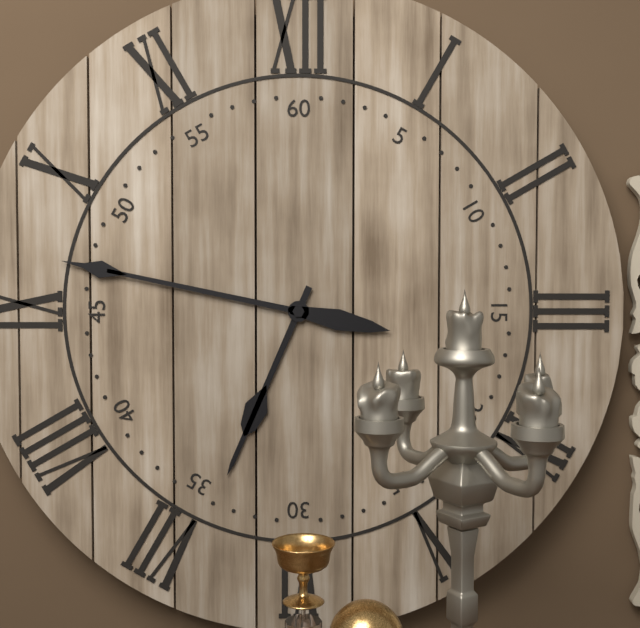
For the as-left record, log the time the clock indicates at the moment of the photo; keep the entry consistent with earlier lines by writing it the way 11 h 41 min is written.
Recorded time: 6 h 47 min
